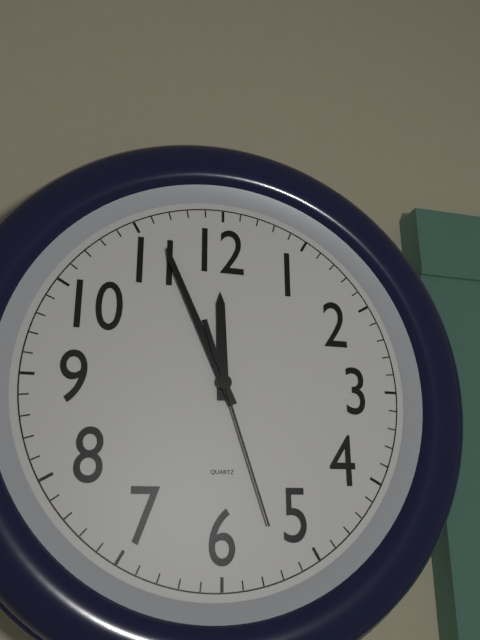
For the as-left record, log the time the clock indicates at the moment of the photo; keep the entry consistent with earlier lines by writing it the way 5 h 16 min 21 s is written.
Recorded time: 11 h 56 min 27 s
